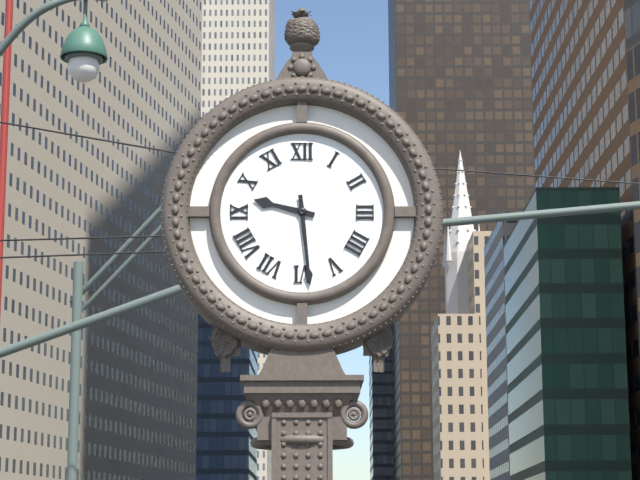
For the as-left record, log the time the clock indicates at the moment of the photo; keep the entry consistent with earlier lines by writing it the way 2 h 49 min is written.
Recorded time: 9 h 29 min
